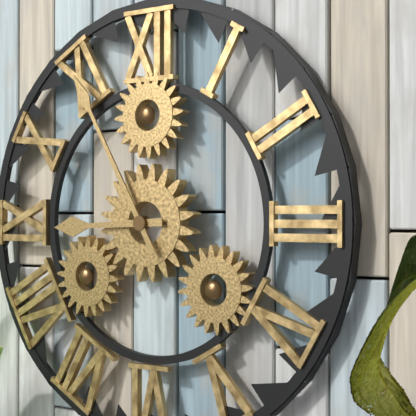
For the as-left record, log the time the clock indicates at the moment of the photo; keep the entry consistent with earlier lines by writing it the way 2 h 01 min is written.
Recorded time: 8 h 55 min
